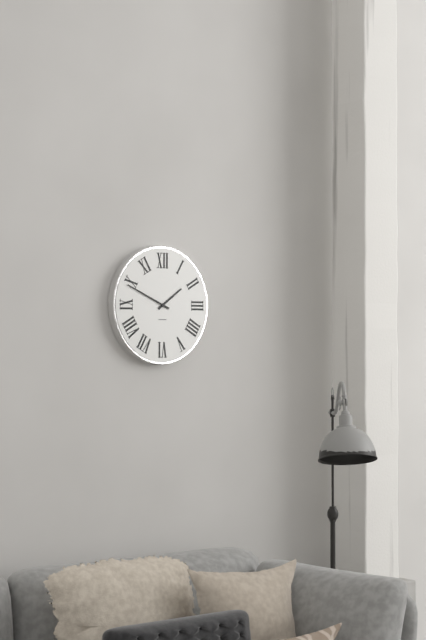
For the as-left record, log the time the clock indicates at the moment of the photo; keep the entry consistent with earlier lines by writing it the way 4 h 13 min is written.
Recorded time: 1 h 49 min
